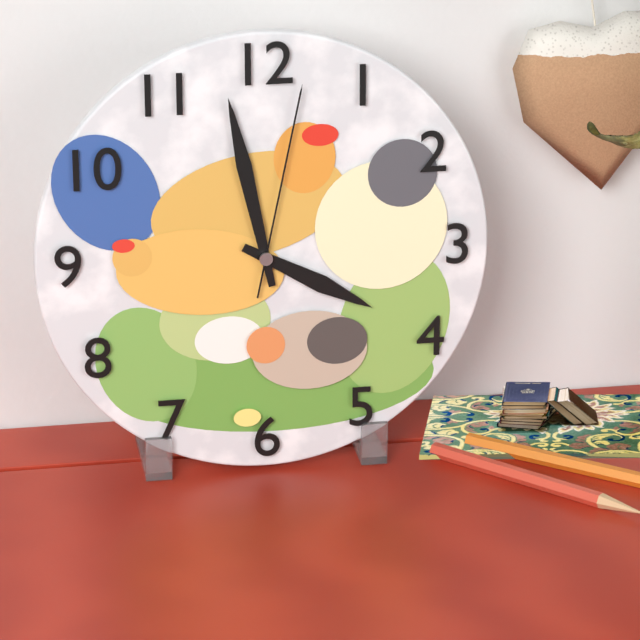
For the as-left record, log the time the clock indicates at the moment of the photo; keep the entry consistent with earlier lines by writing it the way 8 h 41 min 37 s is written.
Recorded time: 3 h 58 min 02 s
